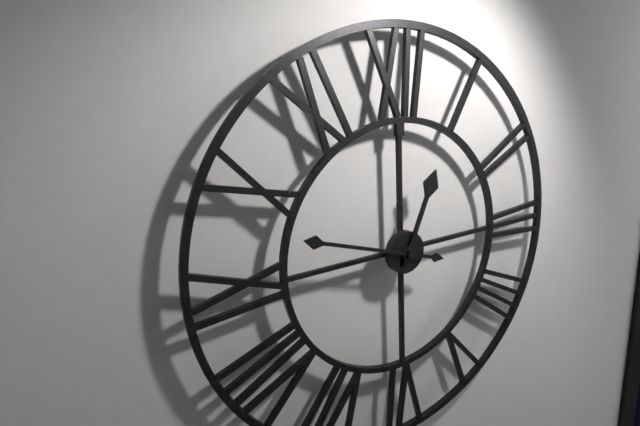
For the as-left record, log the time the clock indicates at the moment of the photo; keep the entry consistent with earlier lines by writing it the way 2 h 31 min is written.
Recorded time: 12 h 48 min
